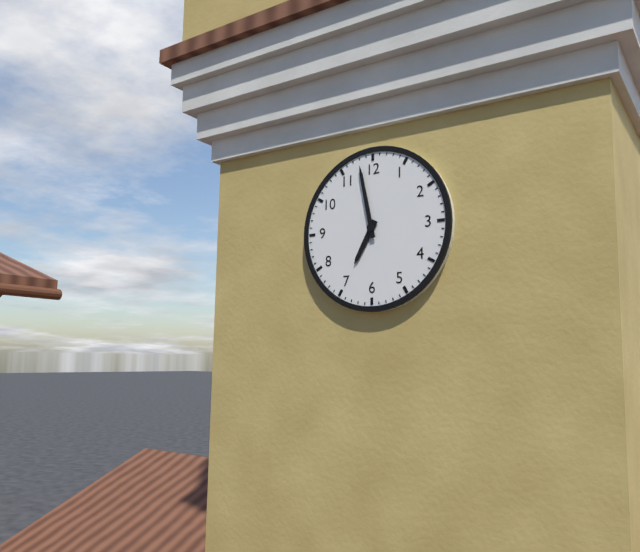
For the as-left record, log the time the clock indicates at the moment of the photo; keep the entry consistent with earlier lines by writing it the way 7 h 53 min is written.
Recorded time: 6 h 58 min
